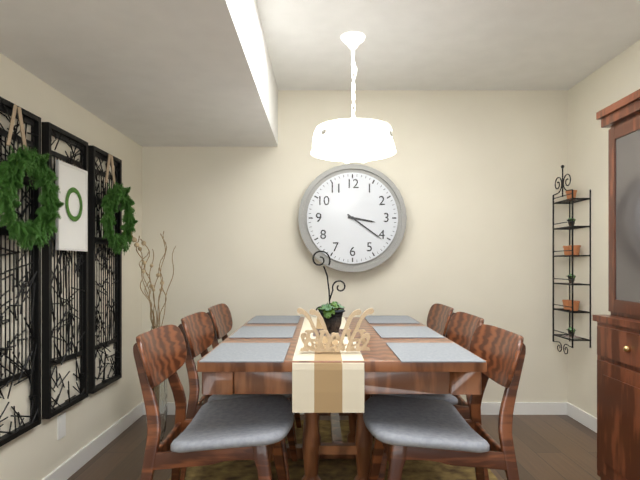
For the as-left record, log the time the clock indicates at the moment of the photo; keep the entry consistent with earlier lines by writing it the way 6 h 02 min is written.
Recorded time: 3 h 21 min
